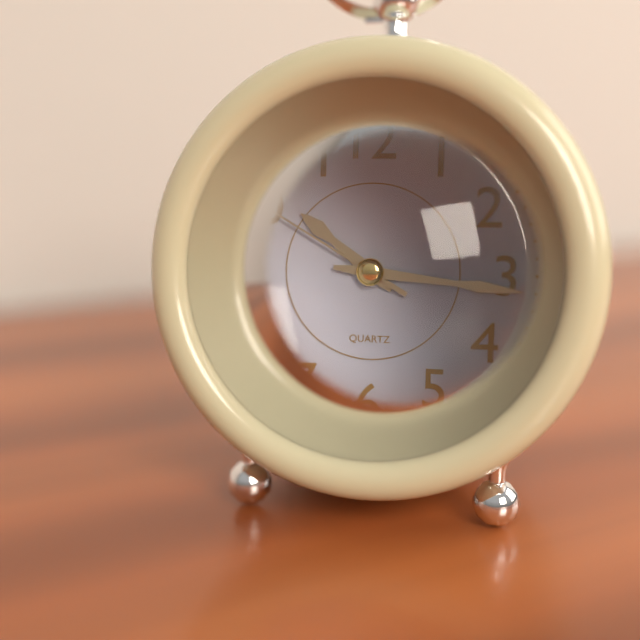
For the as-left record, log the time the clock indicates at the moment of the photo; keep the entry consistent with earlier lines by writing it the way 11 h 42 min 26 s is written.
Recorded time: 10 h 16 min 50 s
